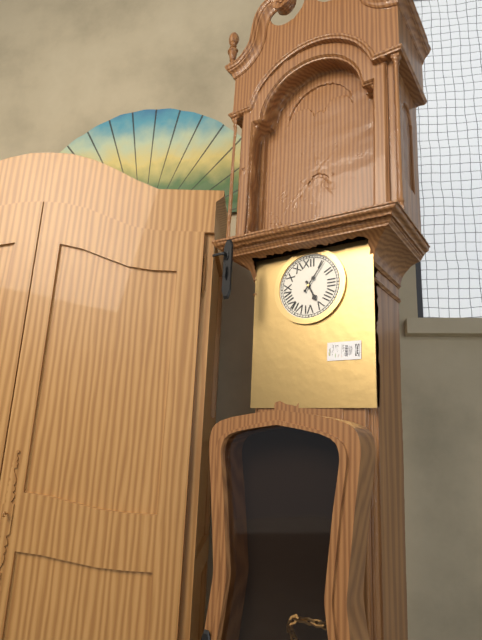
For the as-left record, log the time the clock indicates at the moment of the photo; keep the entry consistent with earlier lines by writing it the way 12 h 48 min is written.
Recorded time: 5 h 06 min
